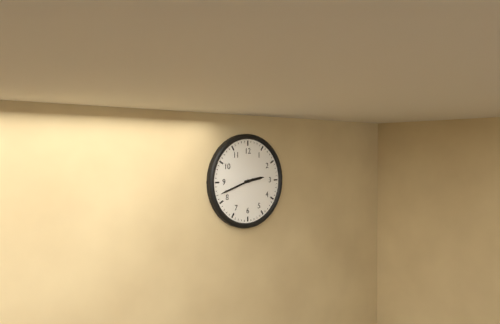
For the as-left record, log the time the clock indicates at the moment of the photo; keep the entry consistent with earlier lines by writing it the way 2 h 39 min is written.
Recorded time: 2 h 42 min
